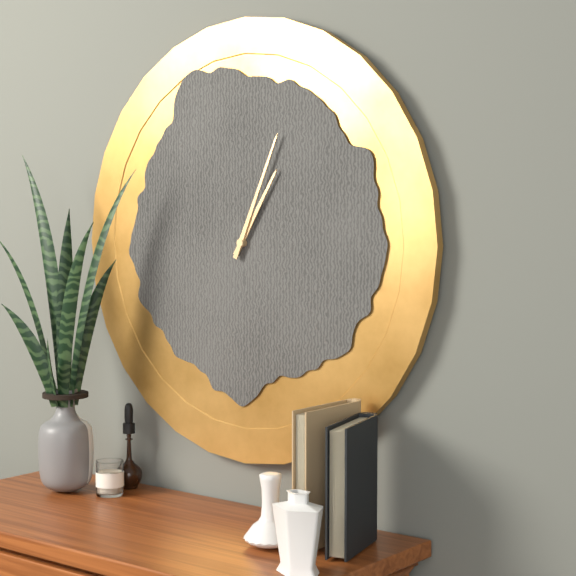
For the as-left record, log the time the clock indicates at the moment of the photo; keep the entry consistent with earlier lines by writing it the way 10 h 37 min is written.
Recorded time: 1 h 04 min
